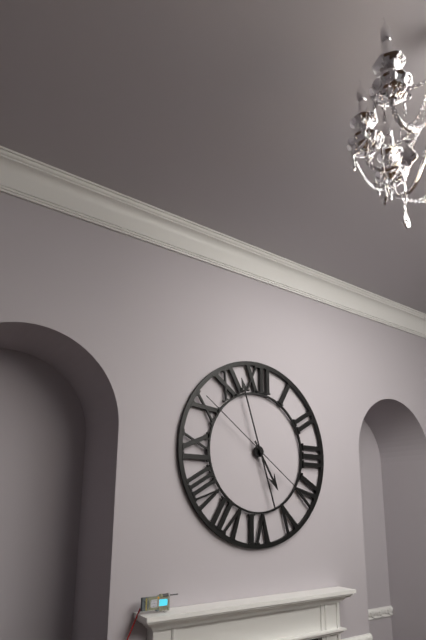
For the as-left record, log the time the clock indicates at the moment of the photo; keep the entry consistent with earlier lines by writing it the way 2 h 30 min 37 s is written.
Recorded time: 4 h 57 min 51 s
